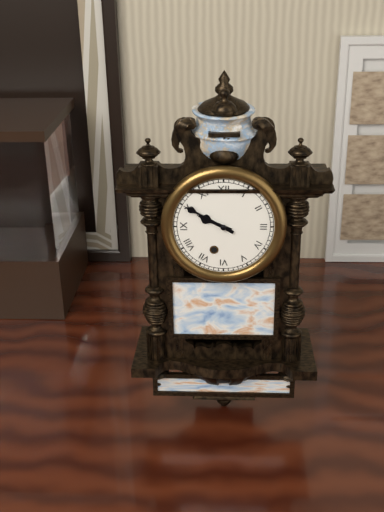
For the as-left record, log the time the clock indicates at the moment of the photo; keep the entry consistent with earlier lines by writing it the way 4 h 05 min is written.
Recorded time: 9 h 50 min
